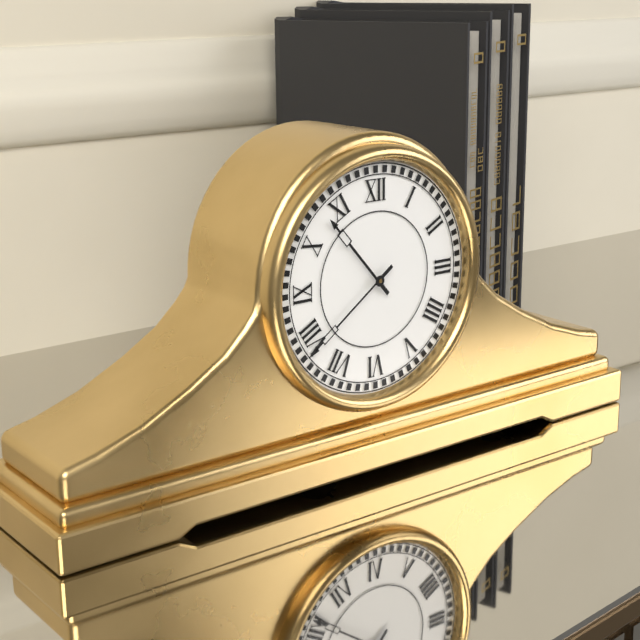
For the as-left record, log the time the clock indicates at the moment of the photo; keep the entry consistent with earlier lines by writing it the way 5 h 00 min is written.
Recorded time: 10 h 39 min
